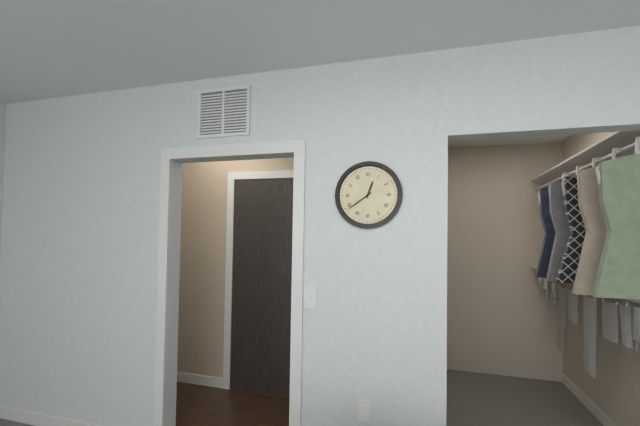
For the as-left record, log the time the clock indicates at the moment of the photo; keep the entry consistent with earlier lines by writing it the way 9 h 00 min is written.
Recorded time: 12 h 39 min
